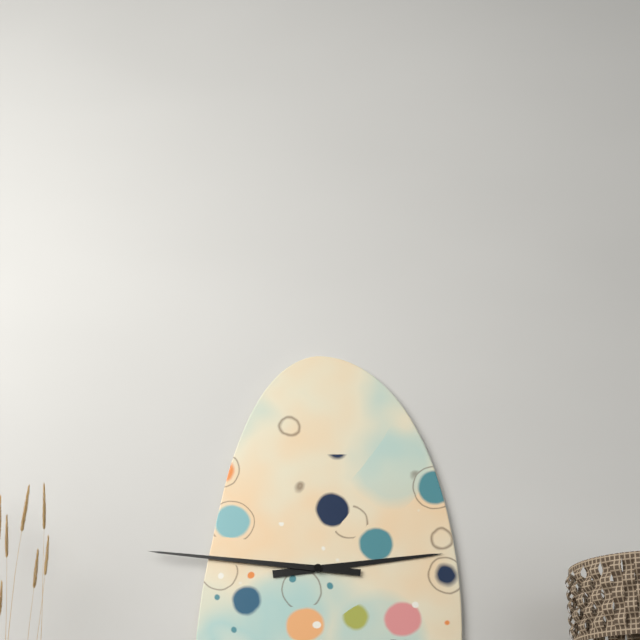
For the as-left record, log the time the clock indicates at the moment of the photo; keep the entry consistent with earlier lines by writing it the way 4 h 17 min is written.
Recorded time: 2 h 46 min
